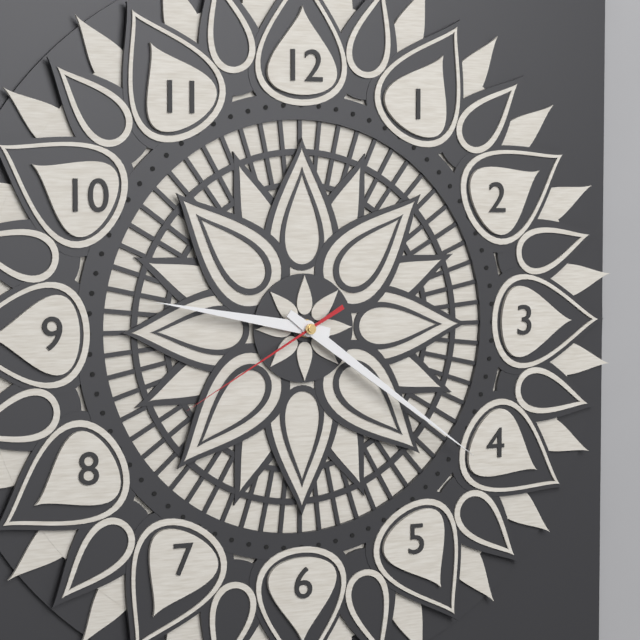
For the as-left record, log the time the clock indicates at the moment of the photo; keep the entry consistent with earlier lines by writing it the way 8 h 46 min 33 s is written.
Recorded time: 9 h 21 min 40 s
